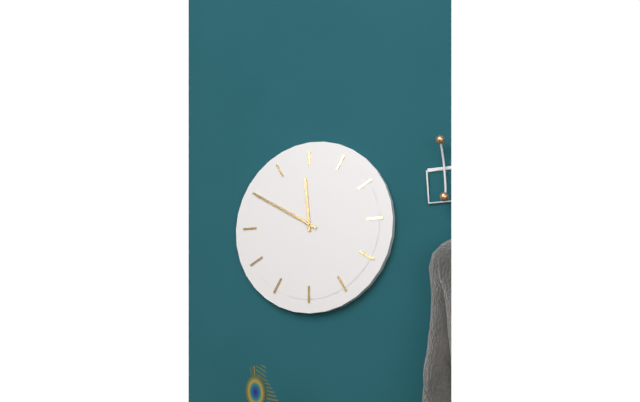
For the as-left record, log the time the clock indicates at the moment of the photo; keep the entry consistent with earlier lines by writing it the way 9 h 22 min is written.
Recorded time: 11 h 50 min
